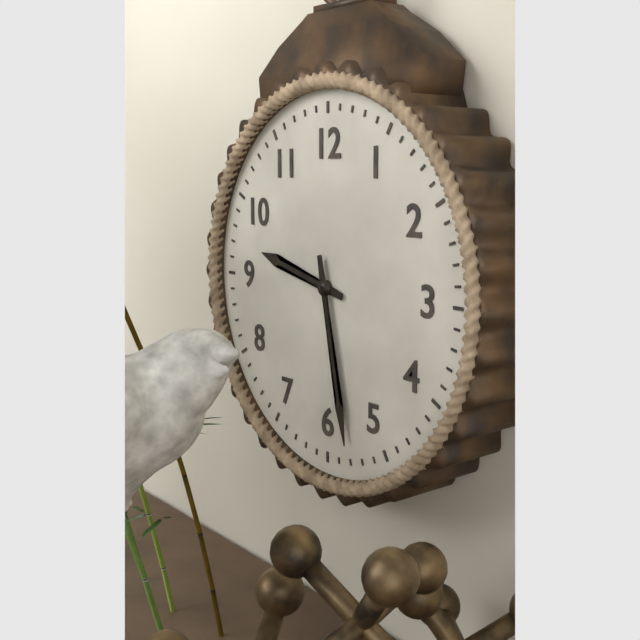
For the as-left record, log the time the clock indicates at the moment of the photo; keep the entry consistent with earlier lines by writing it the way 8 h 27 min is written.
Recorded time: 9 h 28 min
